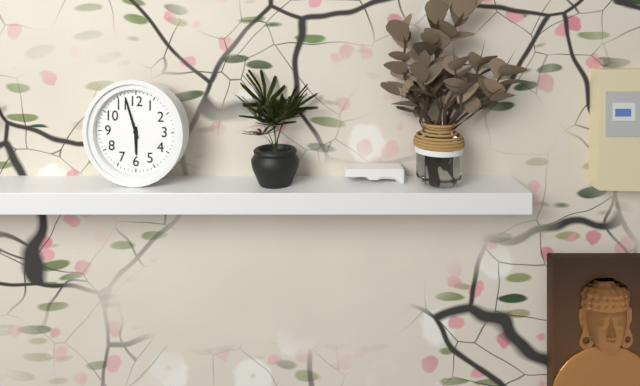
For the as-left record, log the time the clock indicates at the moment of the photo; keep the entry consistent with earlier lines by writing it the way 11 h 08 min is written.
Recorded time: 5 h 57 min
